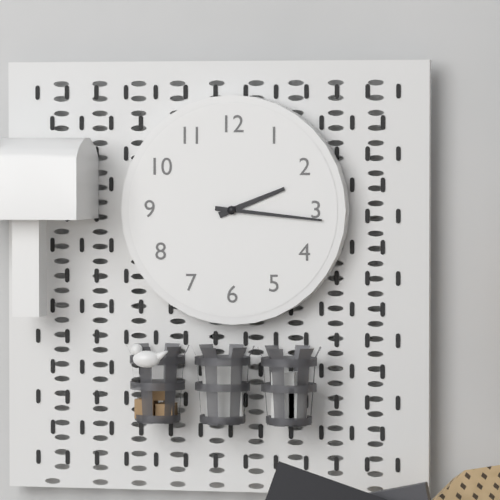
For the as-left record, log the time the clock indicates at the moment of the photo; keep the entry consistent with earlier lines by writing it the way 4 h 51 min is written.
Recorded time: 2 h 16 min
